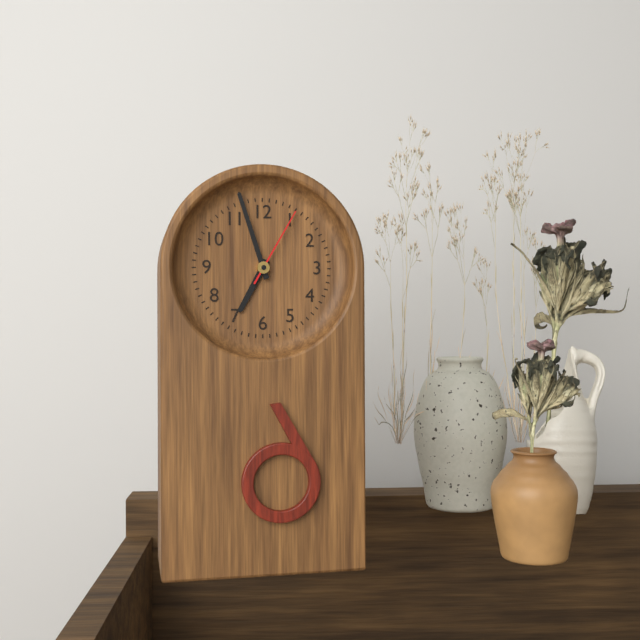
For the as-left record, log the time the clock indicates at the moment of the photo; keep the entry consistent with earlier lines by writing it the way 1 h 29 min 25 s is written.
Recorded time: 6 h 57 min 05 s
